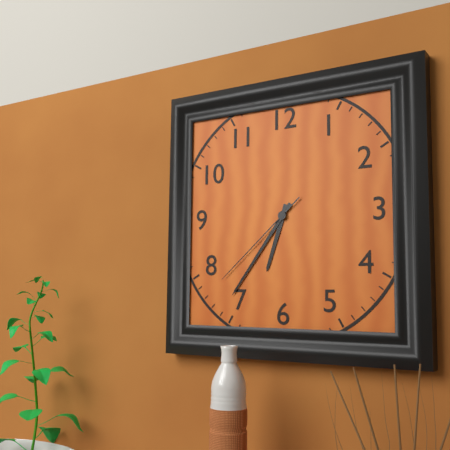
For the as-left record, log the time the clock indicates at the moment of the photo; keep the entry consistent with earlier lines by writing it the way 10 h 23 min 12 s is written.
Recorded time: 6 h 36 min 38 s
